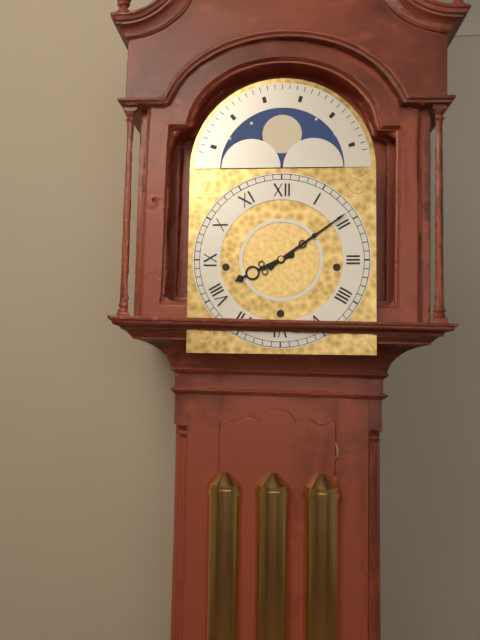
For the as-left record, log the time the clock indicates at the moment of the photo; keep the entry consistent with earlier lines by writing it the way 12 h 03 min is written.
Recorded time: 8 h 09 min
